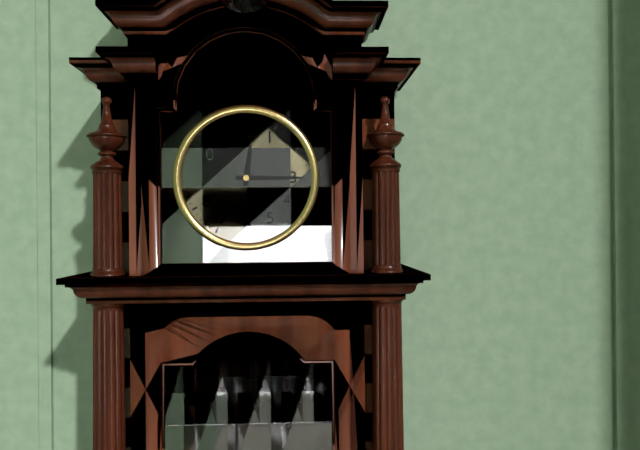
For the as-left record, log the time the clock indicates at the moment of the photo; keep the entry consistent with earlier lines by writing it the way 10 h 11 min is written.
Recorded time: 12 h 15 min
